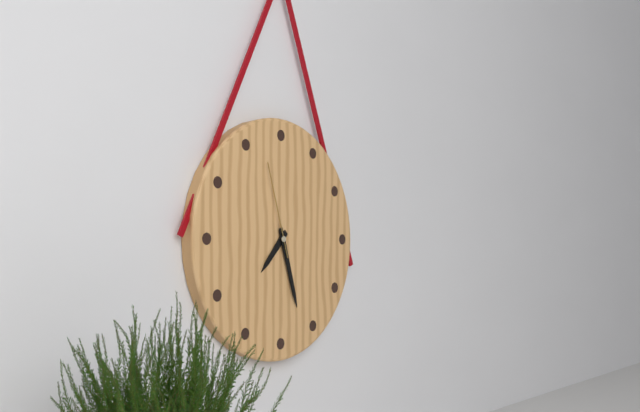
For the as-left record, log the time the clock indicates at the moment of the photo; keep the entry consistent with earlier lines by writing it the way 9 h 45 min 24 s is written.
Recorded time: 7 h 27 min 57 s
